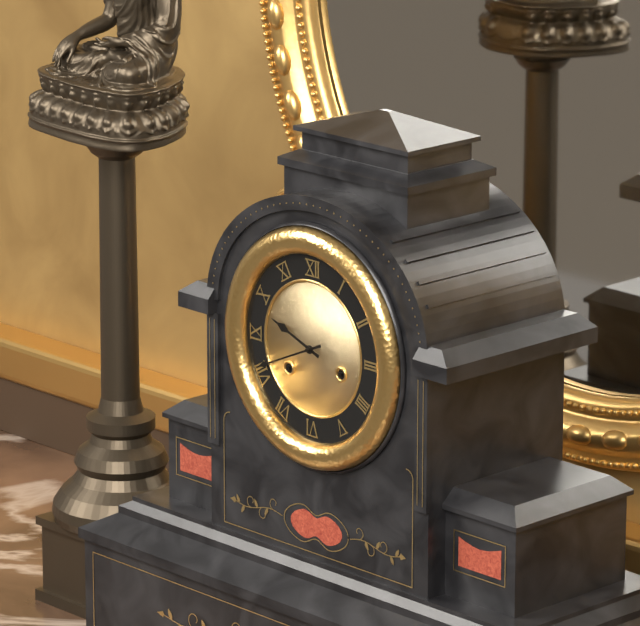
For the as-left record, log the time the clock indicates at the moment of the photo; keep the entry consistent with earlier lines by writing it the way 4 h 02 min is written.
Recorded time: 9 h 41 min
